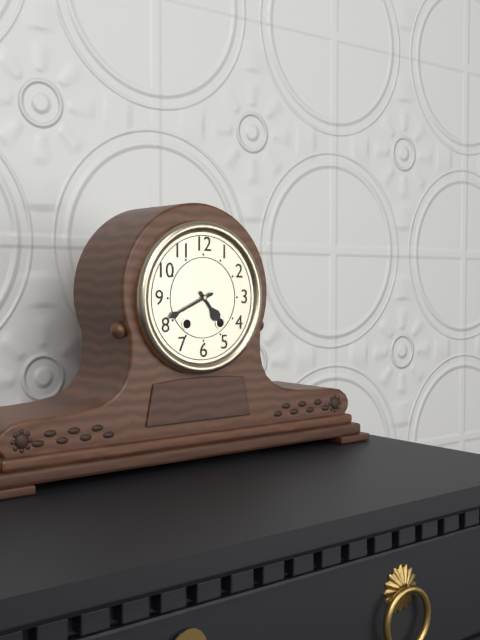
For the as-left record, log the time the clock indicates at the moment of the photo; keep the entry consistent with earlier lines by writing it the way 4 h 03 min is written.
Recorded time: 4 h 41 min
